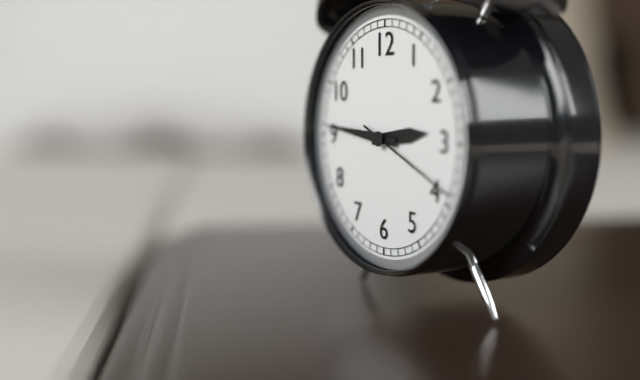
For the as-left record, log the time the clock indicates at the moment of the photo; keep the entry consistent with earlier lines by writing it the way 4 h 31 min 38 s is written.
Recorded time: 2 h 46 min 19 s
